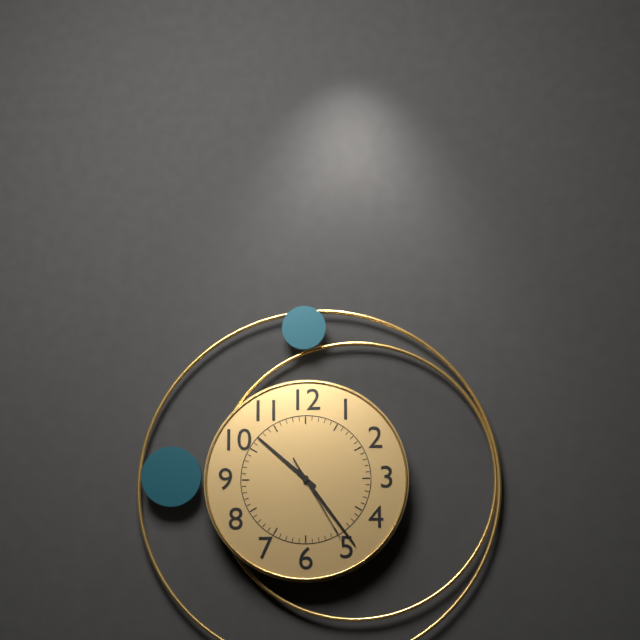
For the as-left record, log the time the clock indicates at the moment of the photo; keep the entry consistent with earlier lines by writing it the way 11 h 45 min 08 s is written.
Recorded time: 10 h 24 min 25 s
